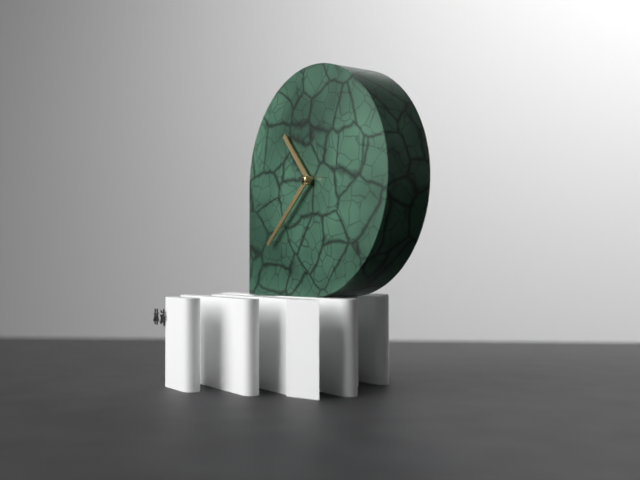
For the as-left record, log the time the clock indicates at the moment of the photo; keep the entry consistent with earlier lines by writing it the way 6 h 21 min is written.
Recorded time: 10 h 38 min
